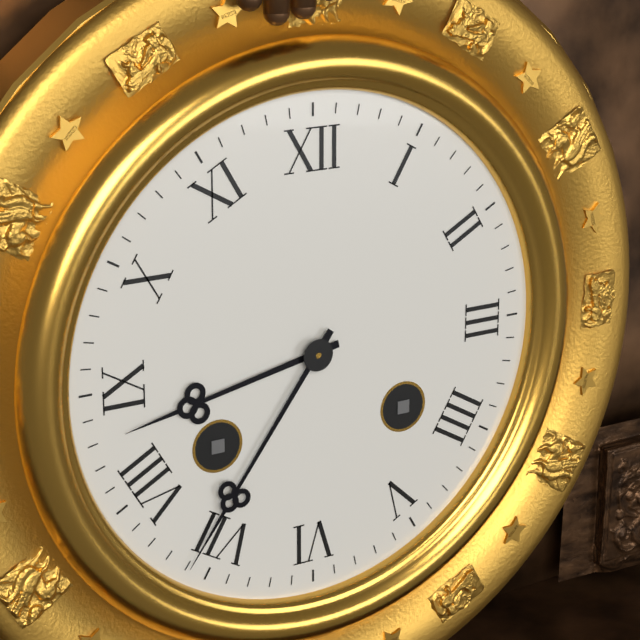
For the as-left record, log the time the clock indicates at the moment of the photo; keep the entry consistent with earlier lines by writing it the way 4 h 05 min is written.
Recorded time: 8 h 36 min
